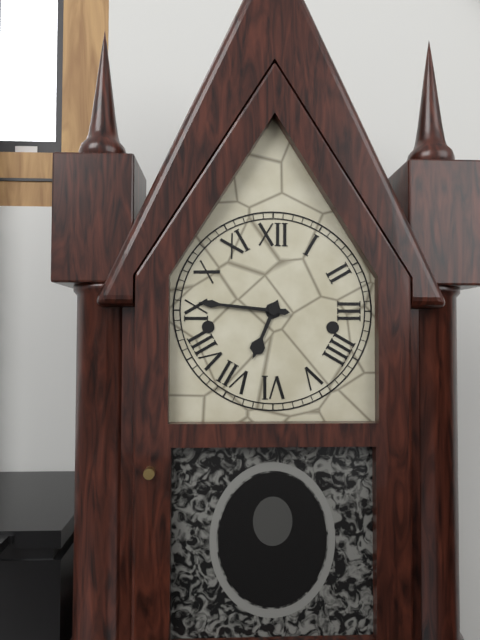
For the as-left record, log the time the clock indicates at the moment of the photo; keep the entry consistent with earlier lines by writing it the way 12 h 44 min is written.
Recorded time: 6 h 46 min
